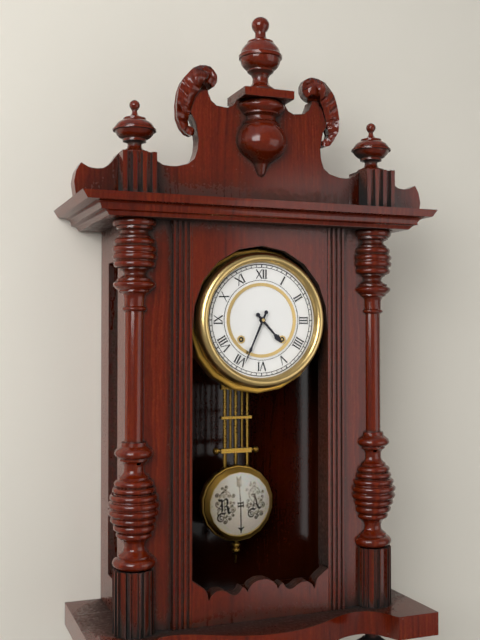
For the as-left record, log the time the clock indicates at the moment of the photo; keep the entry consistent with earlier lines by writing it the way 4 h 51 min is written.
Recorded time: 4 h 34 min
